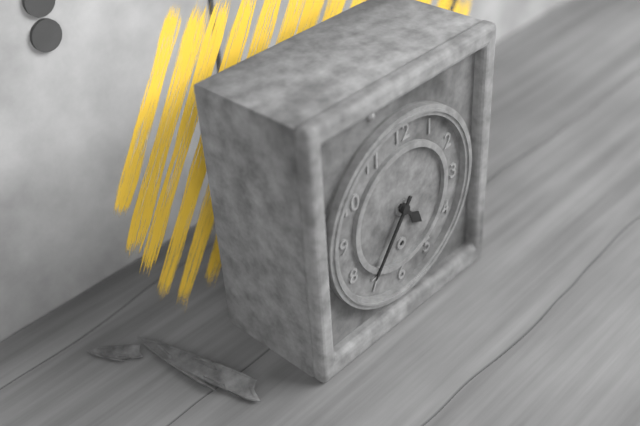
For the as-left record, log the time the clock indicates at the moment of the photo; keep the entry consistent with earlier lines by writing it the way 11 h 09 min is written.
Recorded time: 4 h 36 min
